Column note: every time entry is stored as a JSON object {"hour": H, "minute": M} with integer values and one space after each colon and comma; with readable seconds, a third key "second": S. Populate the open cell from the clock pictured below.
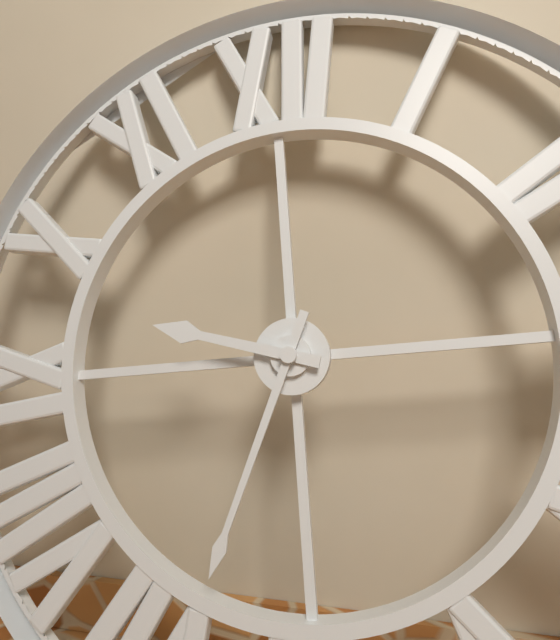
{"hour": 9, "minute": 34}
